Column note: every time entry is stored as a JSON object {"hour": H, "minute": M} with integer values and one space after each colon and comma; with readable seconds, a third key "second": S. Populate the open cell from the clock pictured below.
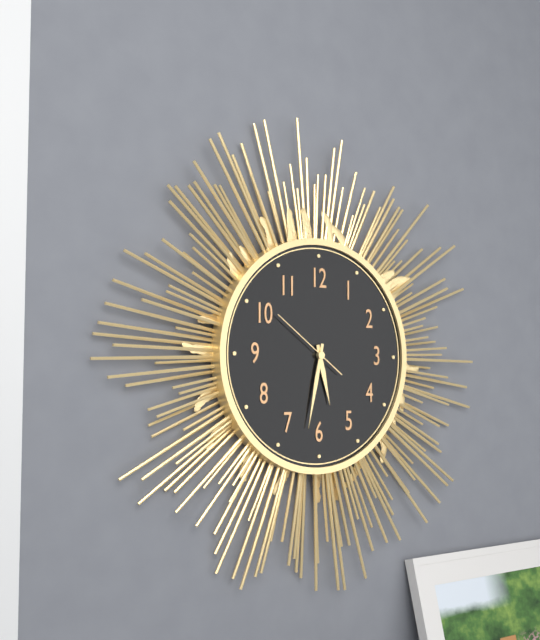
{"hour": 5, "minute": 32, "second": 51}
